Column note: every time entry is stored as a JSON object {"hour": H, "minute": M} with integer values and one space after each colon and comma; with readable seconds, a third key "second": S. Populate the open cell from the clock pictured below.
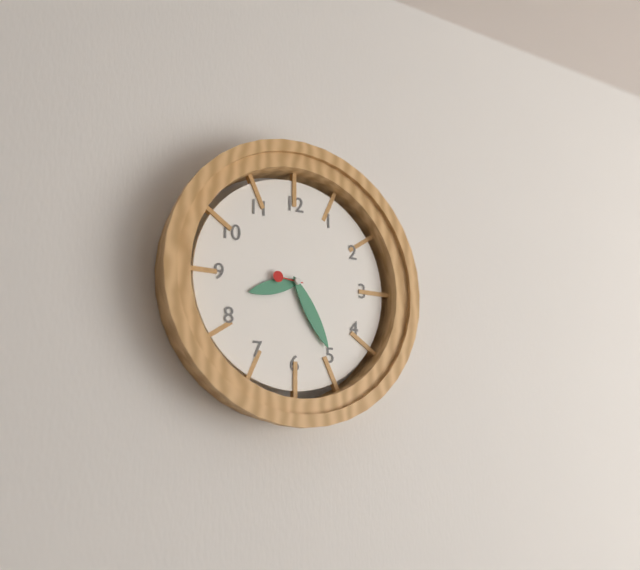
{"hour": 8, "minute": 25}
